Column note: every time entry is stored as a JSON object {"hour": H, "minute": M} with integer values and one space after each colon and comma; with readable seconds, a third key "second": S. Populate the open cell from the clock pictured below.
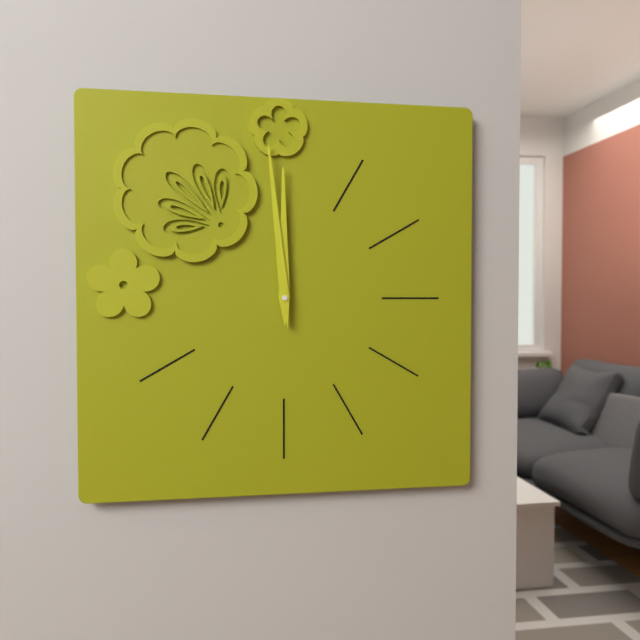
{"hour": 11, "minute": 59}
